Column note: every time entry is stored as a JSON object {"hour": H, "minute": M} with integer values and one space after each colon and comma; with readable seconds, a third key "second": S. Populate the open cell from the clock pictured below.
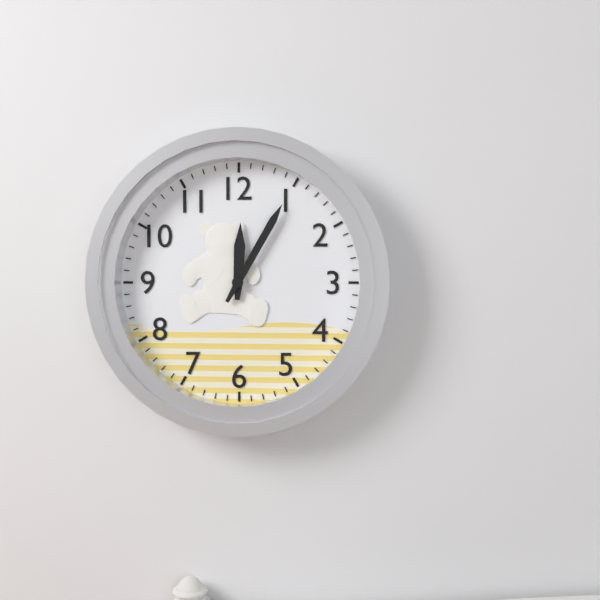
{"hour": 12, "minute": 5}
